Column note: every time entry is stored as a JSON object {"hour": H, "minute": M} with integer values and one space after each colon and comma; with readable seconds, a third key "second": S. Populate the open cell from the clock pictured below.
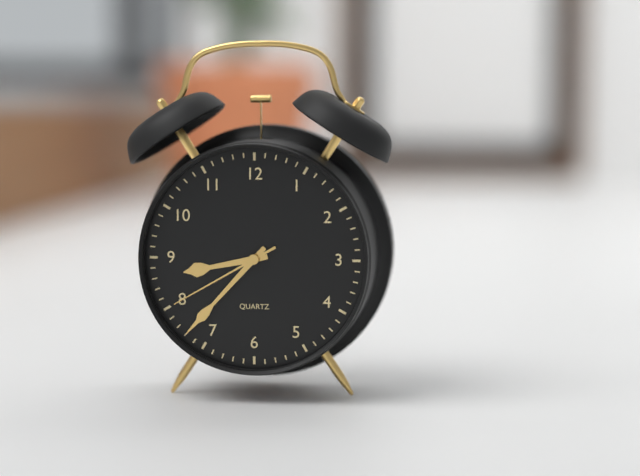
{"hour": 8, "minute": 37, "second": 40}
